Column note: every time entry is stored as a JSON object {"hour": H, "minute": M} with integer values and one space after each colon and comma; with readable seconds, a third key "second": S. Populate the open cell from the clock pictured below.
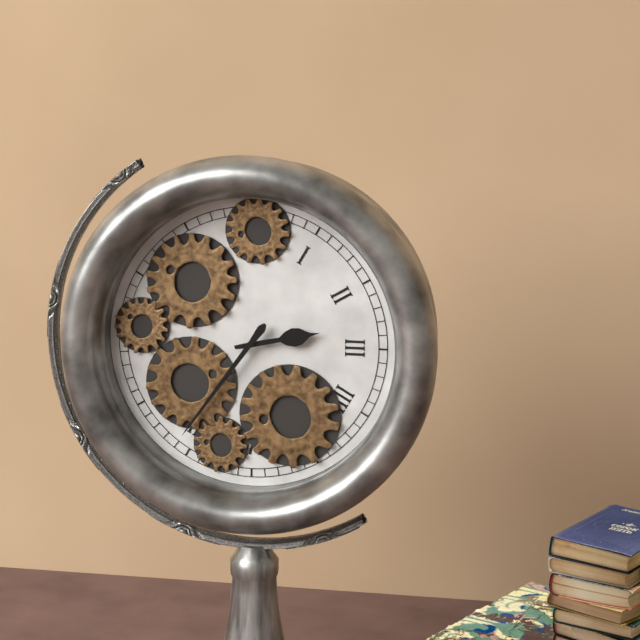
{"hour": 2, "minute": 36}
